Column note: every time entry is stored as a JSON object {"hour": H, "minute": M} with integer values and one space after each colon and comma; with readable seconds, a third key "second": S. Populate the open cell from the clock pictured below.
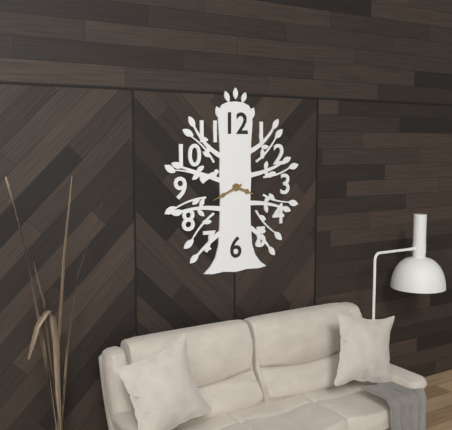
{"hour": 3, "minute": 41}
